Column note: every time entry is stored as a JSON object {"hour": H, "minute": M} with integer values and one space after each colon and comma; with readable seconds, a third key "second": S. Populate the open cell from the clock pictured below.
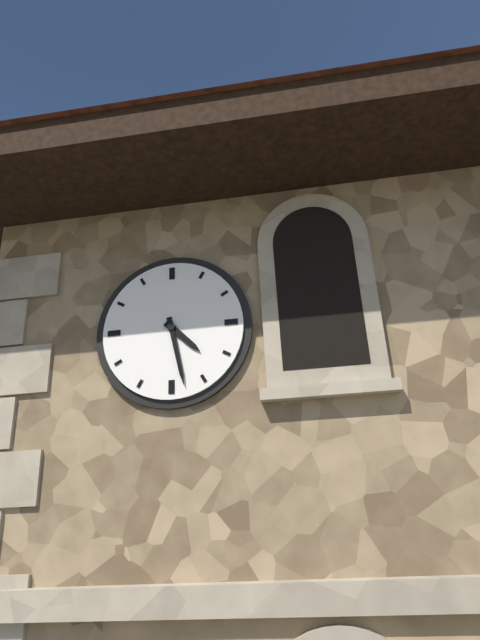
{"hour": 4, "minute": 28}
